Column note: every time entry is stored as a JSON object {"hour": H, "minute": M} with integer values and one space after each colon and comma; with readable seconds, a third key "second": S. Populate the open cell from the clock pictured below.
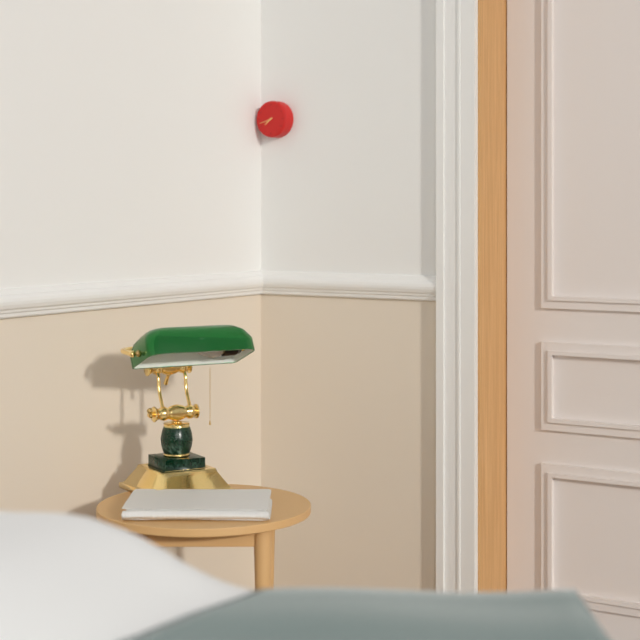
{"hour": 7, "minute": 42}
